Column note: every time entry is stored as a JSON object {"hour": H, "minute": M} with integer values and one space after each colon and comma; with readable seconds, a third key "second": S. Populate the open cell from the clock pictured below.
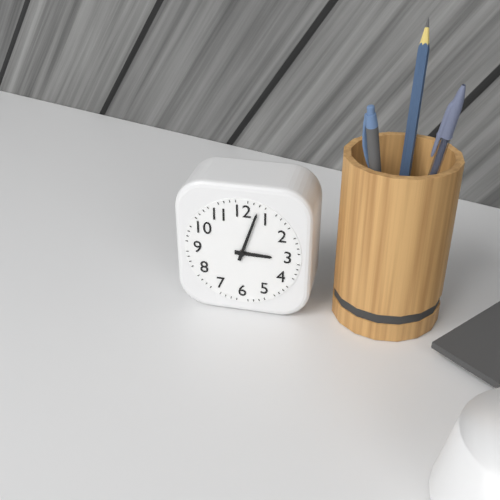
{"hour": 3, "minute": 3}
